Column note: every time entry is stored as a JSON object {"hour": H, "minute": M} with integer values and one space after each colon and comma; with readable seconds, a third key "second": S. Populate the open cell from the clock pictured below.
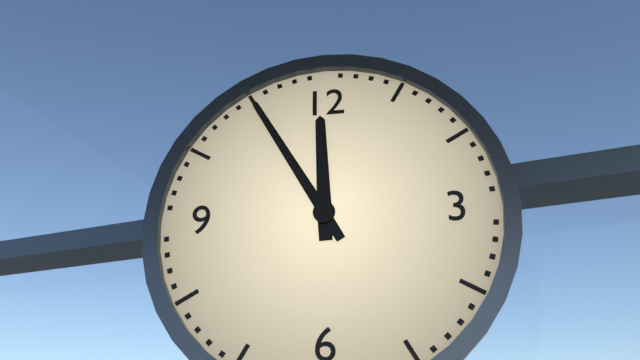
{"hour": 11, "minute": 55}
